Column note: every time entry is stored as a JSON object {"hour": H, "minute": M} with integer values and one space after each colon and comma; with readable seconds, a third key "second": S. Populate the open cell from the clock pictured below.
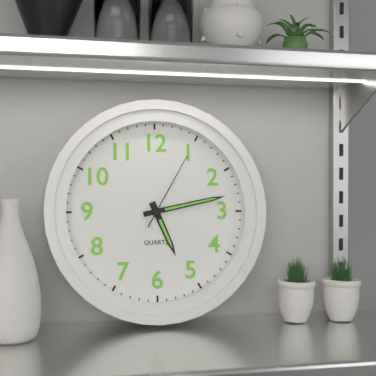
{"hour": 5, "minute": 13, "second": 5}
